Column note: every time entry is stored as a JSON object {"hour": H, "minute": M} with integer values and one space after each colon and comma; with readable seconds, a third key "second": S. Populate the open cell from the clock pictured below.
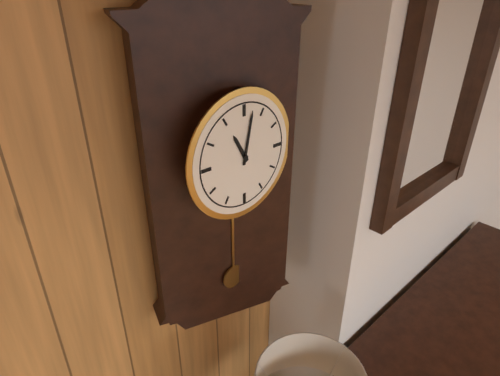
{"hour": 11, "minute": 2}
